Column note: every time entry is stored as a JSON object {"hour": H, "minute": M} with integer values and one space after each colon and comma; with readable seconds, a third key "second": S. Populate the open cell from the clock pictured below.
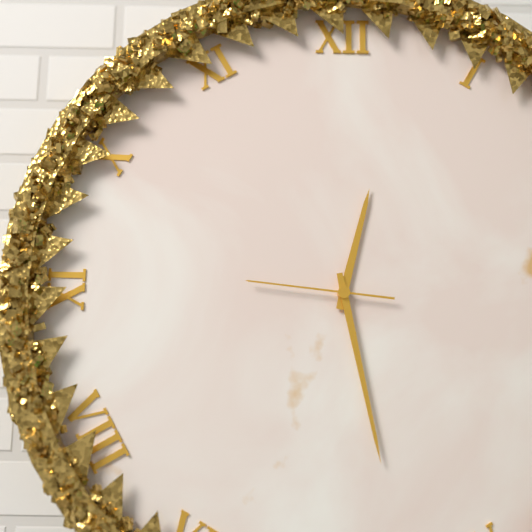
{"hour": 12, "minute": 28, "second": 46}
